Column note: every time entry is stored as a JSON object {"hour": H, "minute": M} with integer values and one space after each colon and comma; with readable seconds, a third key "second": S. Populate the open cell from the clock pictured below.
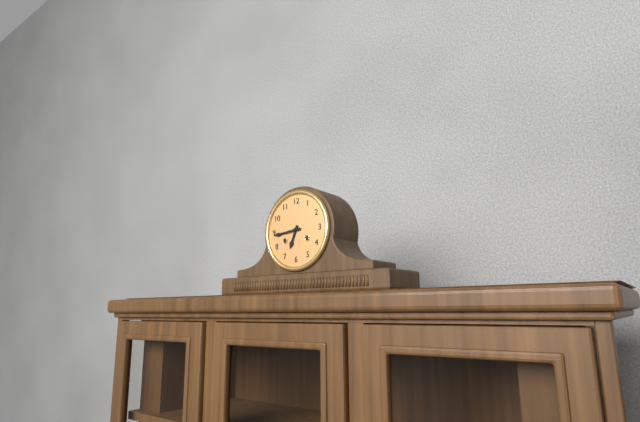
{"hour": 6, "minute": 44}
